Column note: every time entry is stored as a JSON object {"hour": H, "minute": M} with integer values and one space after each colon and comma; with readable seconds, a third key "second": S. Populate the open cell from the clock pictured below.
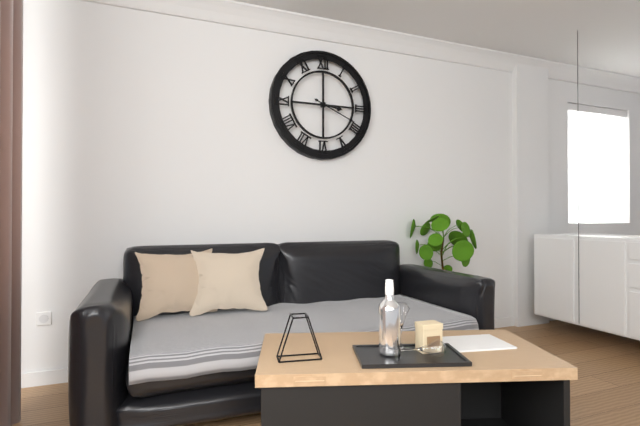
{"hour": 3, "minute": 19}
